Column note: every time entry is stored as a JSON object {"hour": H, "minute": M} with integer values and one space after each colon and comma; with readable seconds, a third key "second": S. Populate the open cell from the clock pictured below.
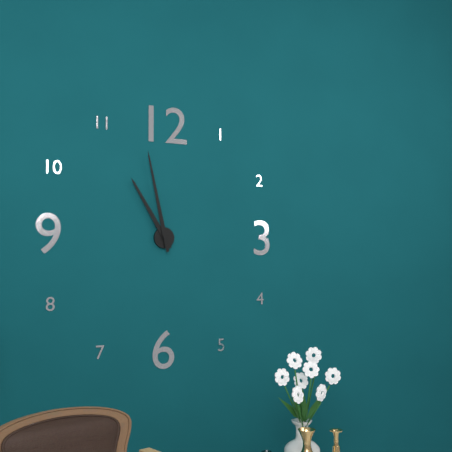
{"hour": 10, "minute": 58}
